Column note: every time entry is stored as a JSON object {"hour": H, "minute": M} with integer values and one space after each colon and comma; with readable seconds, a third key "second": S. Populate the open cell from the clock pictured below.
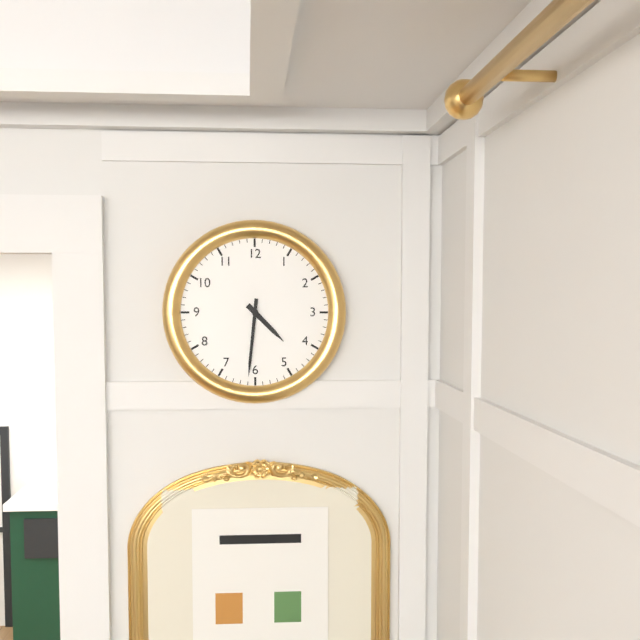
{"hour": 4, "minute": 31}
